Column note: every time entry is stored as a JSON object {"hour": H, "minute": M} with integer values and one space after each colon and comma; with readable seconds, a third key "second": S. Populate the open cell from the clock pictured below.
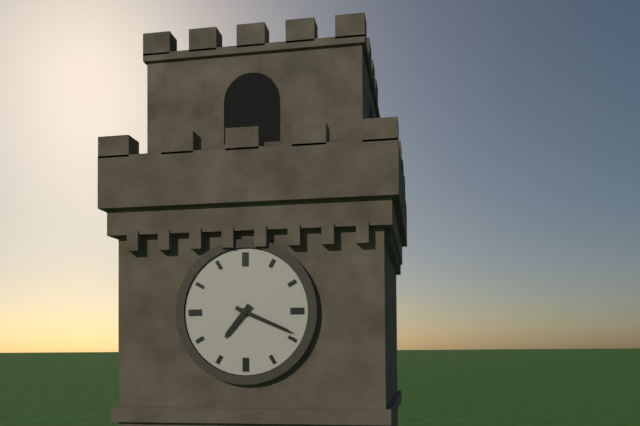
{"hour": 7, "minute": 19}
